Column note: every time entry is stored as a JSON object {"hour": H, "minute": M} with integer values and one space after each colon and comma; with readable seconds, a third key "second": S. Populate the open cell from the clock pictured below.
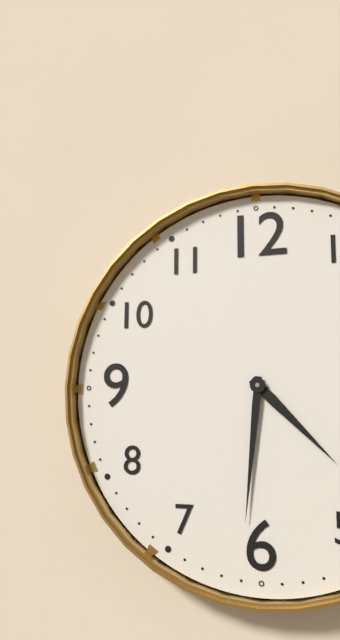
{"hour": 4, "minute": 31}
